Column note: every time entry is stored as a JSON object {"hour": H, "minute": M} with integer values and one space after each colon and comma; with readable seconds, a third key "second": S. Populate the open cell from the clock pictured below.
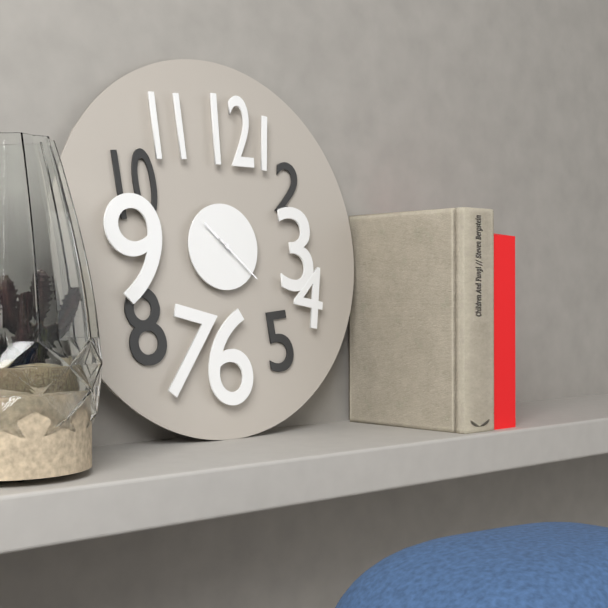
{"hour": 10, "minute": 22}
